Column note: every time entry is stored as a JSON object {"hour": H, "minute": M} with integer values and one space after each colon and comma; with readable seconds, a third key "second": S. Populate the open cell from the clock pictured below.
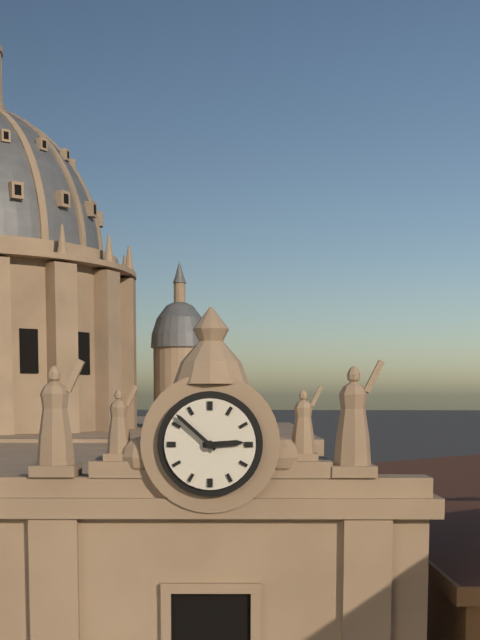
{"hour": 2, "minute": 52}
